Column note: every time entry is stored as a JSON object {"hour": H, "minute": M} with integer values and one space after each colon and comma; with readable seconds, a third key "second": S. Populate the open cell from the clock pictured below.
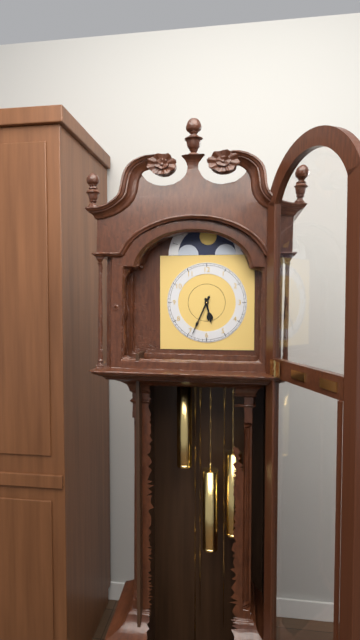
{"hour": 5, "minute": 34}
